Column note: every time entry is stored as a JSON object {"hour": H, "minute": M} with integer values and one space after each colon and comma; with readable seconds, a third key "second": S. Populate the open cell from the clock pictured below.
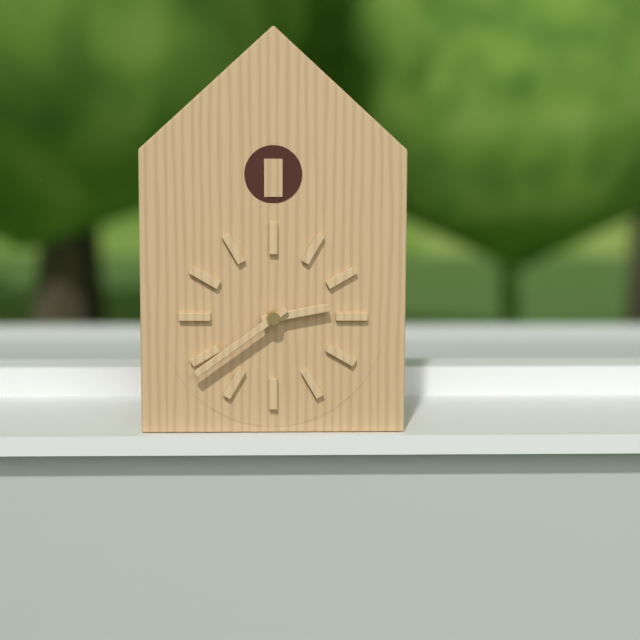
{"hour": 2, "minute": 39}
